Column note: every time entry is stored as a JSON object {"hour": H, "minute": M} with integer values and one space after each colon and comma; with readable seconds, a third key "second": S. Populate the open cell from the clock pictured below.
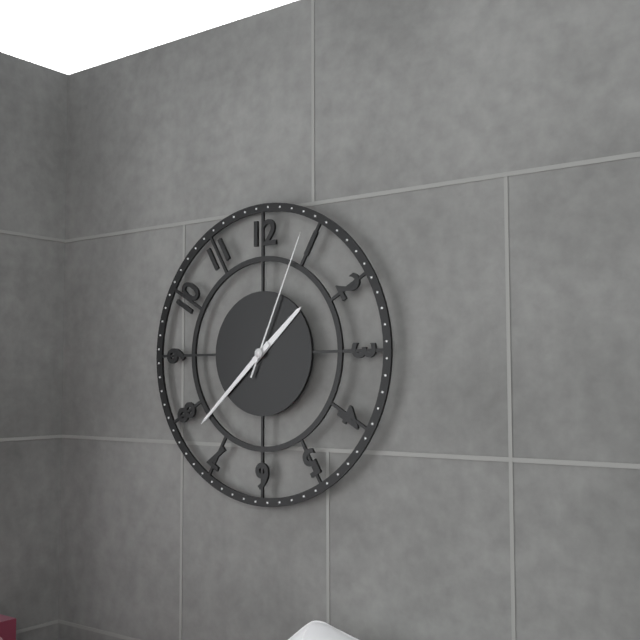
{"hour": 1, "minute": 38, "second": 4}
